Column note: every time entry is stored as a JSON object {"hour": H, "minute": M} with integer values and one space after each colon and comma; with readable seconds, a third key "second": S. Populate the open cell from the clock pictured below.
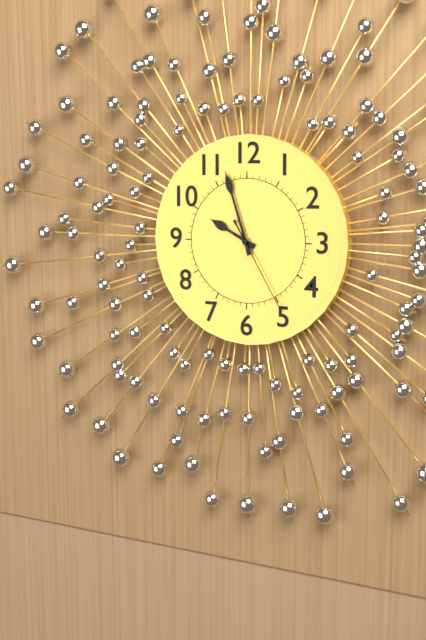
{"hour": 9, "minute": 57, "second": 25}
